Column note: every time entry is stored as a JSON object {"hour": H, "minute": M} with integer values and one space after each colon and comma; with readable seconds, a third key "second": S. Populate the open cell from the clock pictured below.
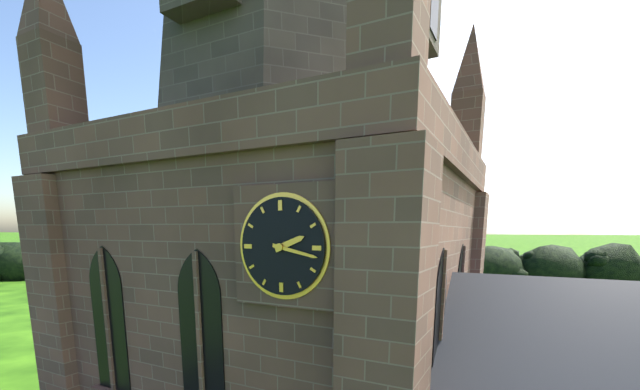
{"hour": 2, "minute": 17}
